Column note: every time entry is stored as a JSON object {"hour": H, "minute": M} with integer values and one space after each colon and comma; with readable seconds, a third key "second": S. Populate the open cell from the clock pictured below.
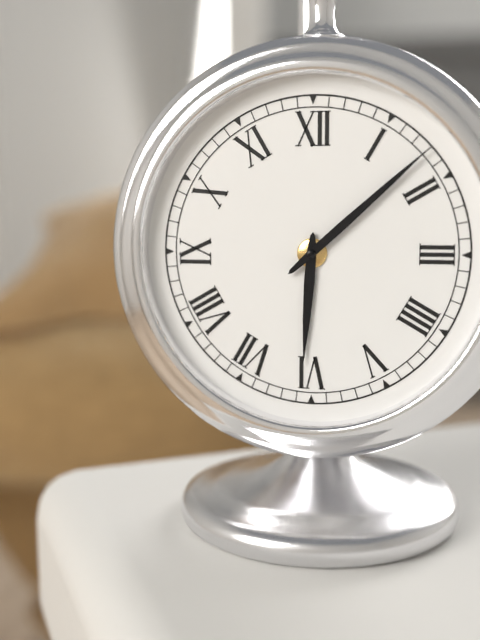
{"hour": 6, "minute": 8}
